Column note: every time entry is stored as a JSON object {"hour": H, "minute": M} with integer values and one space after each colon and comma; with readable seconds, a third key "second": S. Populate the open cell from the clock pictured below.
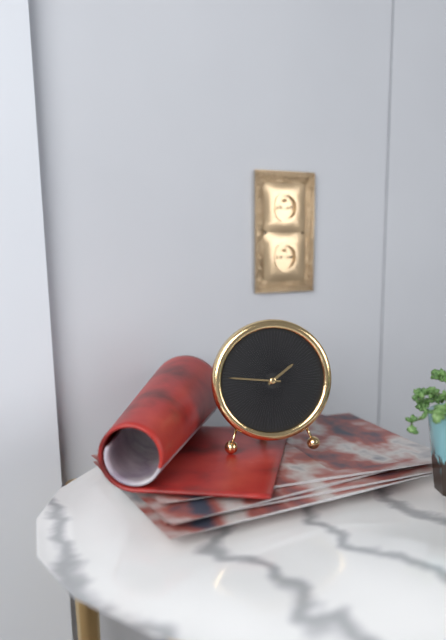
{"hour": 1, "minute": 46}
